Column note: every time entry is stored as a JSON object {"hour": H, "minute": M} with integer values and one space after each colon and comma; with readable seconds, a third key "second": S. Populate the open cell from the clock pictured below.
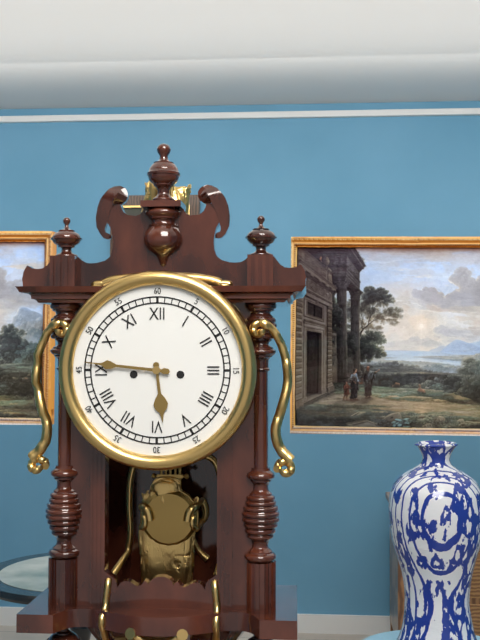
{"hour": 5, "minute": 46}
